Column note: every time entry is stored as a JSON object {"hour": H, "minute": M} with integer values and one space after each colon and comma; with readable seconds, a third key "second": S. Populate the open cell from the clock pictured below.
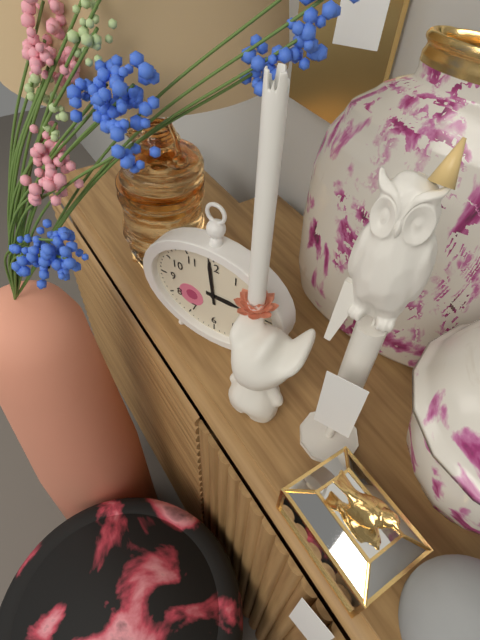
{"hour": 2, "minute": 59}
